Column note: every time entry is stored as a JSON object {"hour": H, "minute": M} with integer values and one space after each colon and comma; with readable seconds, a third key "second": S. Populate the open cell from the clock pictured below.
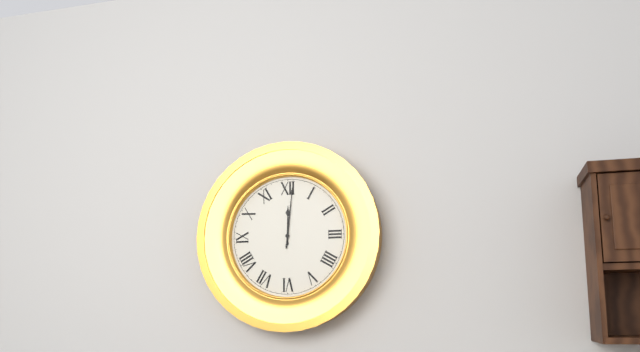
{"hour": 12, "minute": 1}
